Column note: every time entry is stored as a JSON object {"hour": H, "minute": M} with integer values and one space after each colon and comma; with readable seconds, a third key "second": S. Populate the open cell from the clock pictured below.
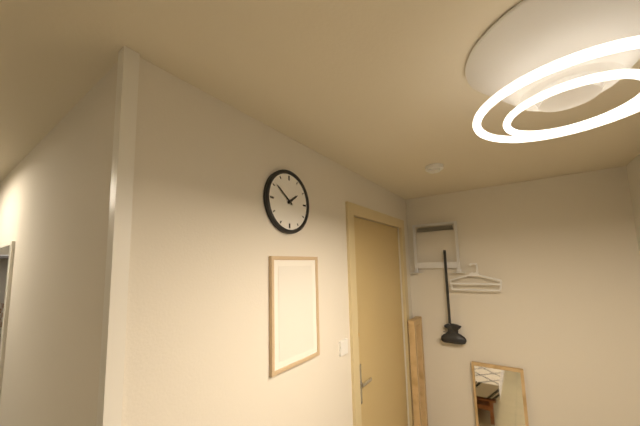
{"hour": 1, "minute": 51}
